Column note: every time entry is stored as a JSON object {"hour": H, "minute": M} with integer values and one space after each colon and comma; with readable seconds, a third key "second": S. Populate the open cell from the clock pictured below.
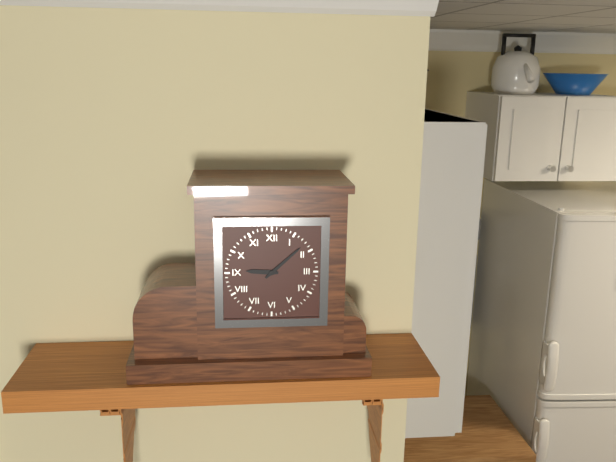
{"hour": 9, "minute": 8}
